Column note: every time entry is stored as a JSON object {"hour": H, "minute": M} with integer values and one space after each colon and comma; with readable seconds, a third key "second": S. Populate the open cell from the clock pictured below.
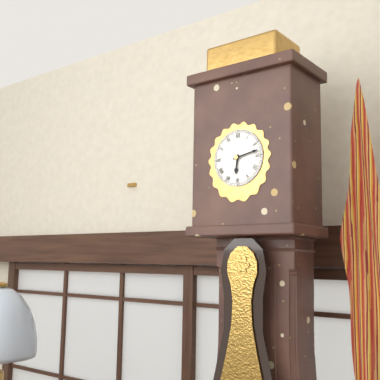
{"hour": 6, "minute": 13}
